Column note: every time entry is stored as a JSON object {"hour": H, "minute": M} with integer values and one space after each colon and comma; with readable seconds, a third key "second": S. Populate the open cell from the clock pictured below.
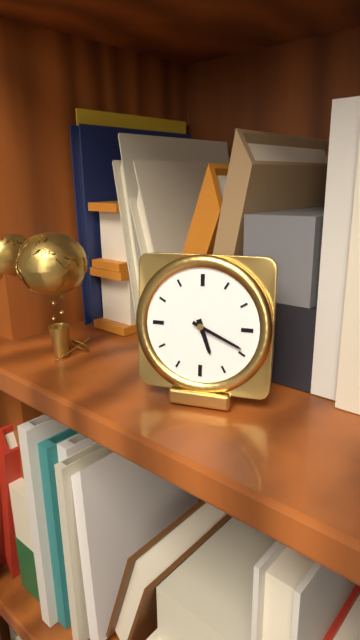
{"hour": 5, "minute": 19}
